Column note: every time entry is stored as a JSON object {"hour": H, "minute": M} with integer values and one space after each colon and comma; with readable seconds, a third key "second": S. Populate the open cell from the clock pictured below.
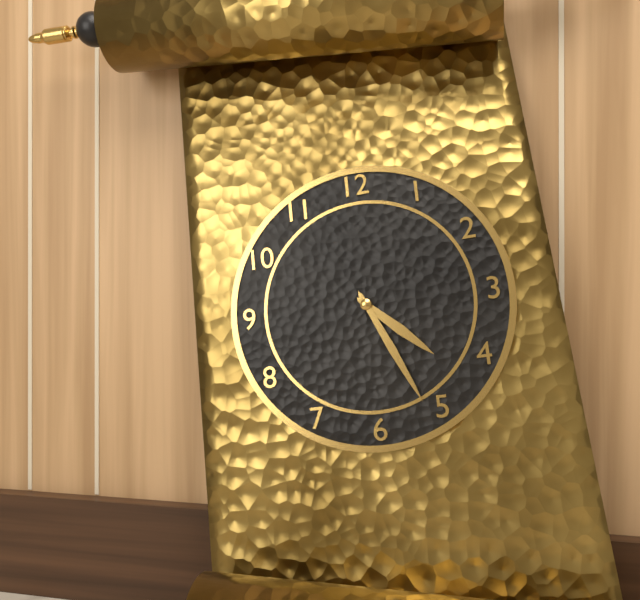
{"hour": 4, "minute": 26}
